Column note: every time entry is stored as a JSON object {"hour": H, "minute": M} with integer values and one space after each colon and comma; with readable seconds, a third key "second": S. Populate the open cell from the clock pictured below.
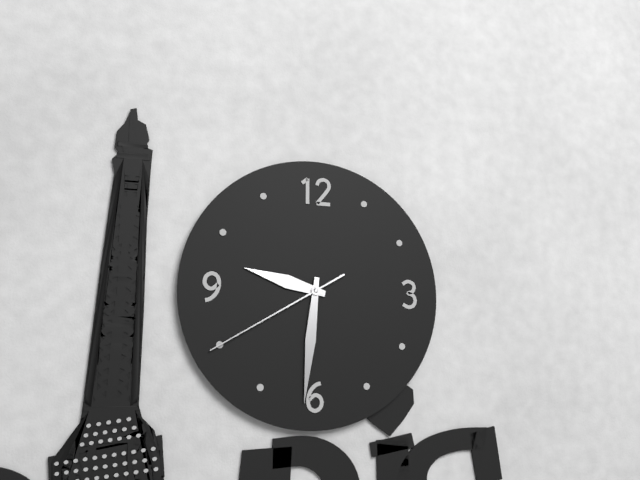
{"hour": 9, "minute": 31, "second": 40}
